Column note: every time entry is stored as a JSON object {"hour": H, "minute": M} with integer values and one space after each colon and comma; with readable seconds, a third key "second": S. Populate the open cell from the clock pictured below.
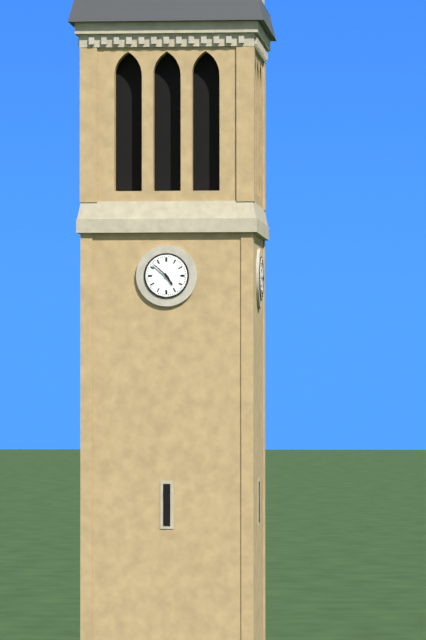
{"hour": 4, "minute": 52}
